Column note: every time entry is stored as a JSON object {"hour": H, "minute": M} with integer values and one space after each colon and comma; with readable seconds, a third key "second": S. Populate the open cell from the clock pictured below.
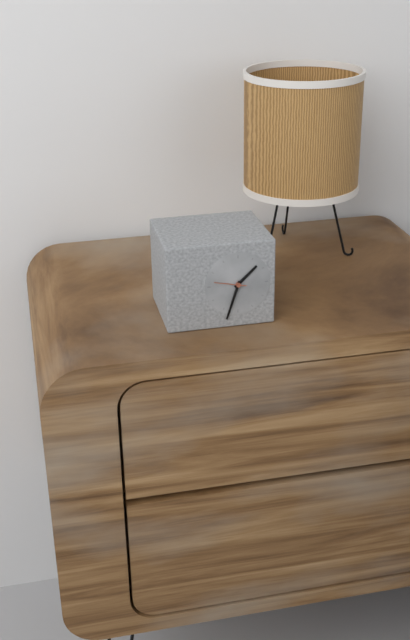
{"hour": 1, "minute": 33}
